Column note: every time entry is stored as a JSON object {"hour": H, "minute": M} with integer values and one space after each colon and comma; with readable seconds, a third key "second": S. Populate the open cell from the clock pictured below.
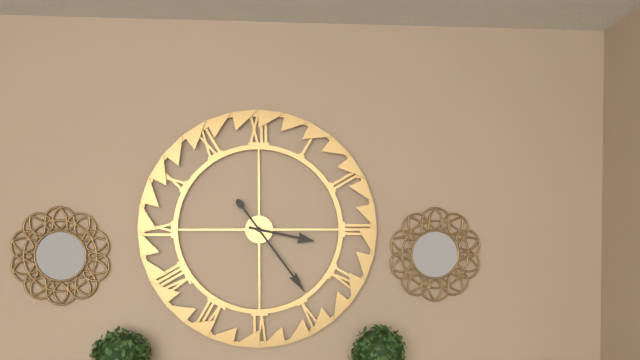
{"hour": 3, "minute": 24}
